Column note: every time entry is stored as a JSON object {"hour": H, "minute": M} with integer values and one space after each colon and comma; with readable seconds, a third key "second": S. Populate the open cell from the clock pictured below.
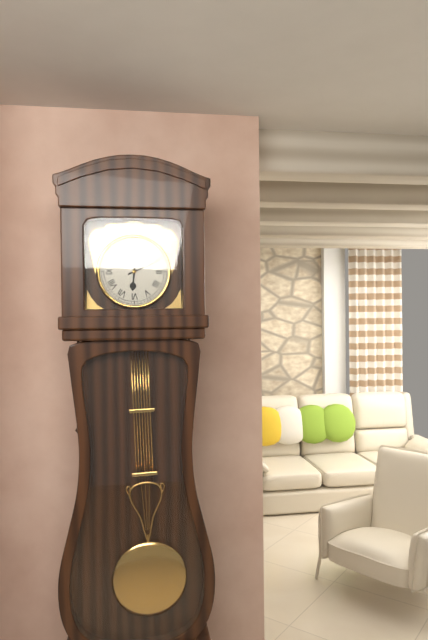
{"hour": 6, "minute": 11}
